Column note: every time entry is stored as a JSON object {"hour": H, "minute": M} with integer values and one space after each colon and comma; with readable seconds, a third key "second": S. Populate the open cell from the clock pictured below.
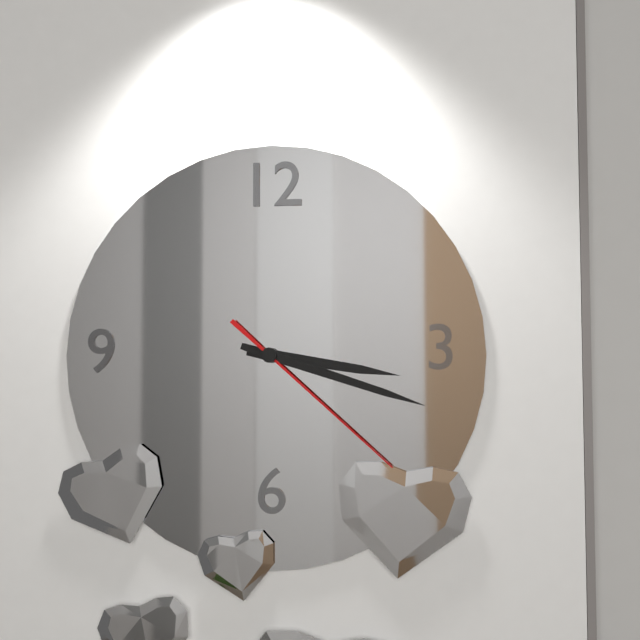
{"hour": 3, "minute": 18, "second": 22}
